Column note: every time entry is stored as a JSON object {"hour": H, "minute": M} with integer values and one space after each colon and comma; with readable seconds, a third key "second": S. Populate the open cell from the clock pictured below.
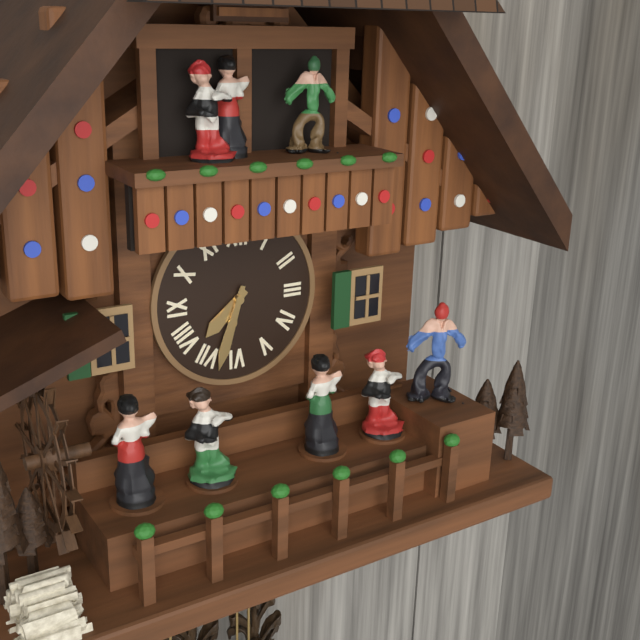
{"hour": 7, "minute": 33}
